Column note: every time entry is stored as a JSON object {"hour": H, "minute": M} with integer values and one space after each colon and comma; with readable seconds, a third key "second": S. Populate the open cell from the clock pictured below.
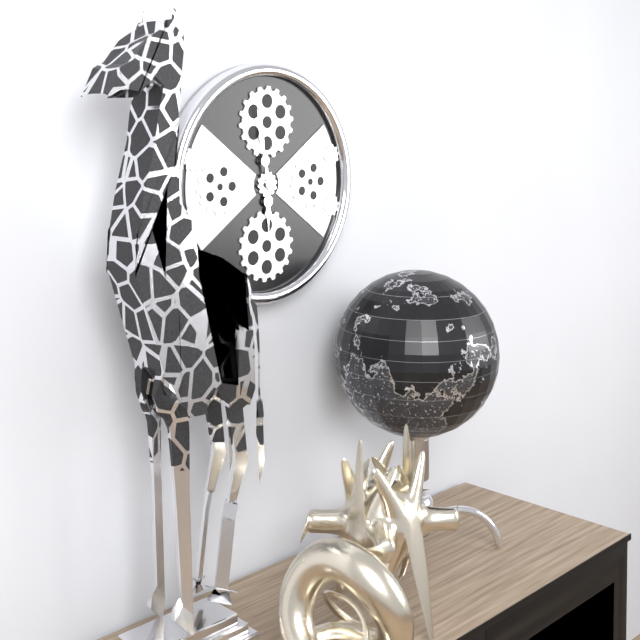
{"hour": 5, "minute": 58}
